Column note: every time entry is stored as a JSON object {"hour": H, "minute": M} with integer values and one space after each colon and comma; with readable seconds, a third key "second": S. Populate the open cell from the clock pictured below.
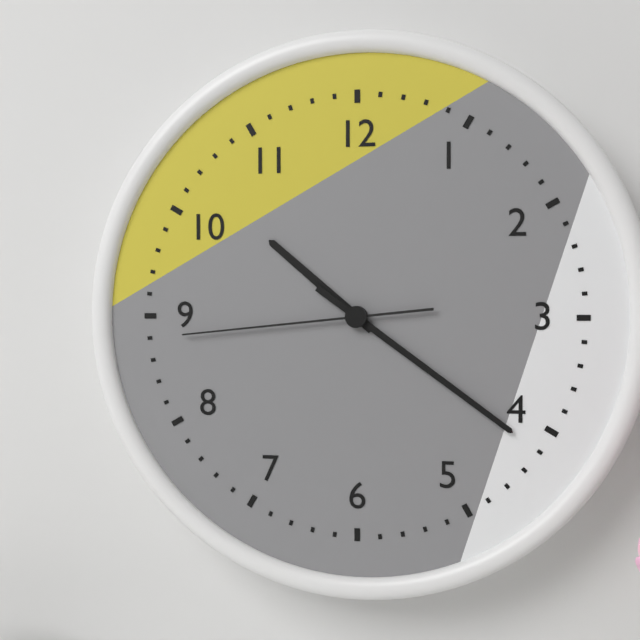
{"hour": 10, "minute": 21, "second": 44}
